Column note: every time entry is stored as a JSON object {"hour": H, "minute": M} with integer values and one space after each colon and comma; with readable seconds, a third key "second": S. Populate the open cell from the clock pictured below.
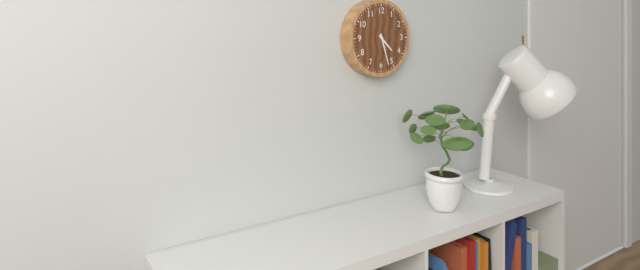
{"hour": 4, "minute": 27}
